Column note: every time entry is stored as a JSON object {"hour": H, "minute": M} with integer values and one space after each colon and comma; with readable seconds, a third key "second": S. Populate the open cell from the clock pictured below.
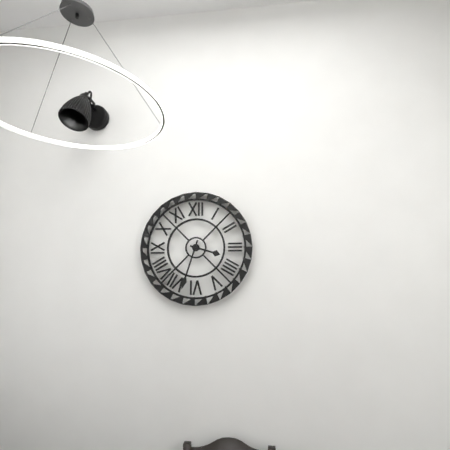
{"hour": 3, "minute": 33}
